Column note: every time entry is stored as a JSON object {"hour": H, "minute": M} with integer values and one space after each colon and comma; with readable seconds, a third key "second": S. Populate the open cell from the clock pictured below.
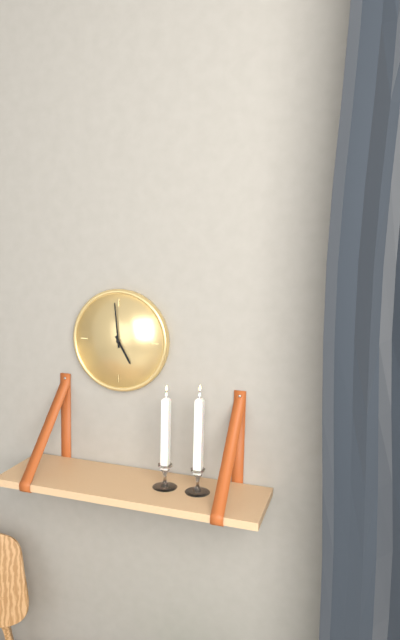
{"hour": 4, "minute": 59}
